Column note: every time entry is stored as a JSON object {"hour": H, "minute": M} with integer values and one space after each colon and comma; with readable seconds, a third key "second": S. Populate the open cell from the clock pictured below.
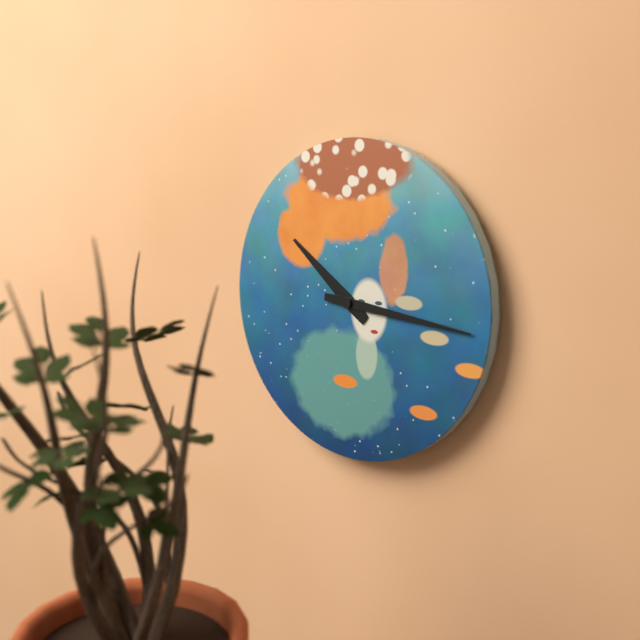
{"hour": 10, "minute": 16}
